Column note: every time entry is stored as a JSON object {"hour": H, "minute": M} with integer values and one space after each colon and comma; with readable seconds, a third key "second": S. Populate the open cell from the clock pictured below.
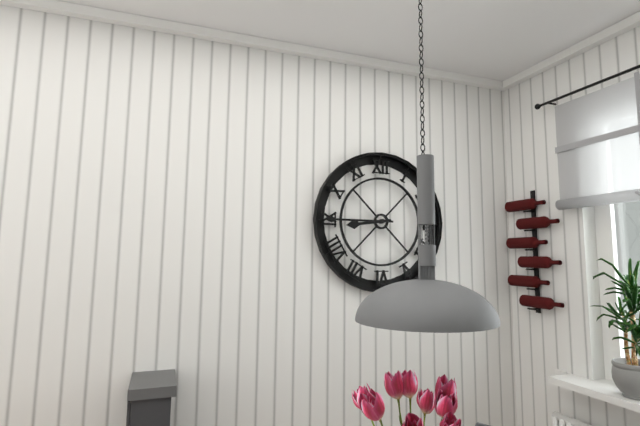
{"hour": 8, "minute": 45}
